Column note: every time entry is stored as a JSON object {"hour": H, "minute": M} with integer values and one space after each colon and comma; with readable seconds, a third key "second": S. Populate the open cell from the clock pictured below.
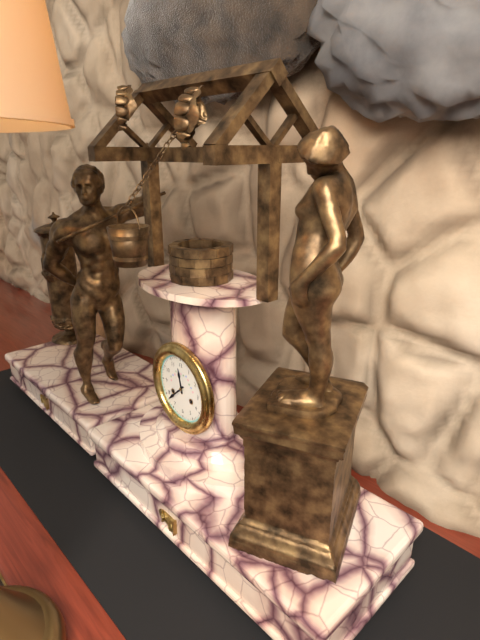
{"hour": 11, "minute": 38}
